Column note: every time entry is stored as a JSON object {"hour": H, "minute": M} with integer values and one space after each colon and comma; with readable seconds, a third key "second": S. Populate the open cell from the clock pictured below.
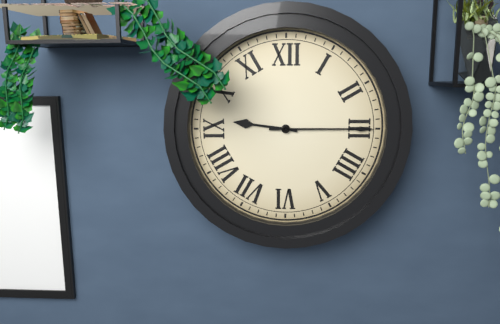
{"hour": 9, "minute": 15}
